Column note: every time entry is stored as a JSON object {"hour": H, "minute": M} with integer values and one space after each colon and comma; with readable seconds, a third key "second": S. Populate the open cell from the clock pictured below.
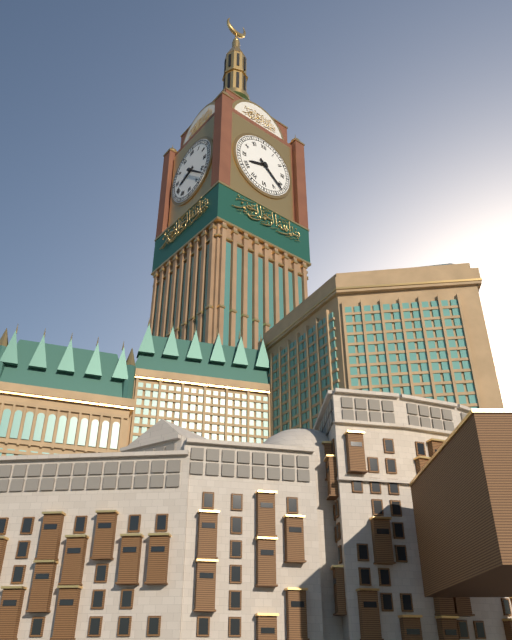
{"hour": 8, "minute": 22}
